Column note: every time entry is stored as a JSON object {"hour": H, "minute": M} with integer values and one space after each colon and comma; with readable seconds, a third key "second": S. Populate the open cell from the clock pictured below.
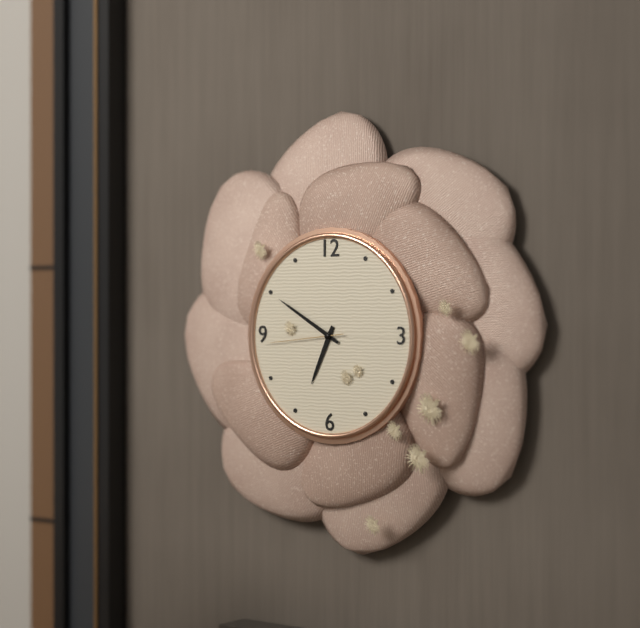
{"hour": 6, "minute": 50, "second": 44}
